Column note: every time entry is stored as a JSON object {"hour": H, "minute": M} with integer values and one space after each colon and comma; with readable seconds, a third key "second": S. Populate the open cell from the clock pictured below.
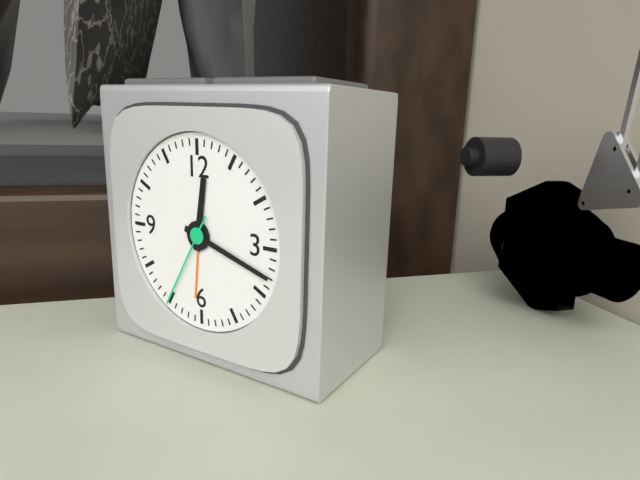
{"hour": 12, "minute": 18, "second": 35}
